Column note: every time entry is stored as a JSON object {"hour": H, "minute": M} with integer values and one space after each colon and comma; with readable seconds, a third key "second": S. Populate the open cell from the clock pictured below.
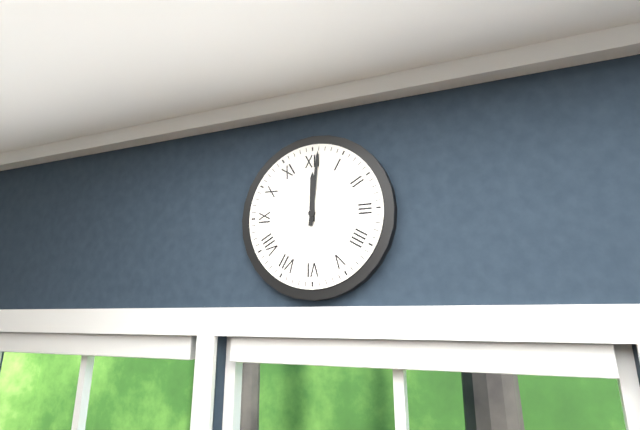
{"hour": 12, "minute": 1}
